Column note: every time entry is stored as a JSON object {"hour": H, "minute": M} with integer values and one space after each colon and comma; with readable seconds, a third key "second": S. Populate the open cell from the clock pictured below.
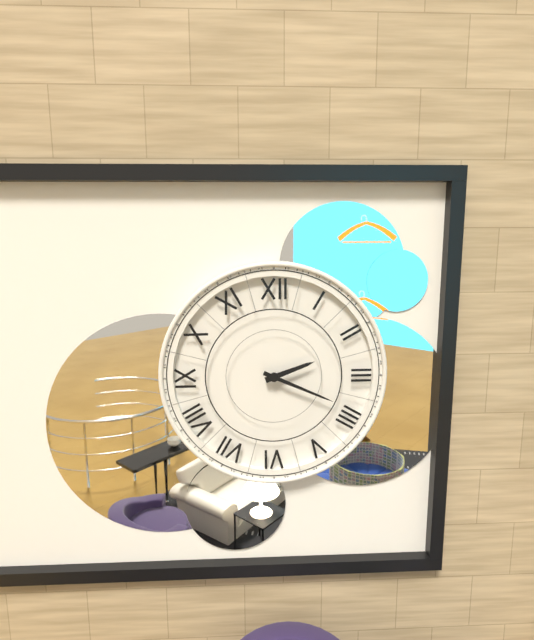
{"hour": 2, "minute": 19}
